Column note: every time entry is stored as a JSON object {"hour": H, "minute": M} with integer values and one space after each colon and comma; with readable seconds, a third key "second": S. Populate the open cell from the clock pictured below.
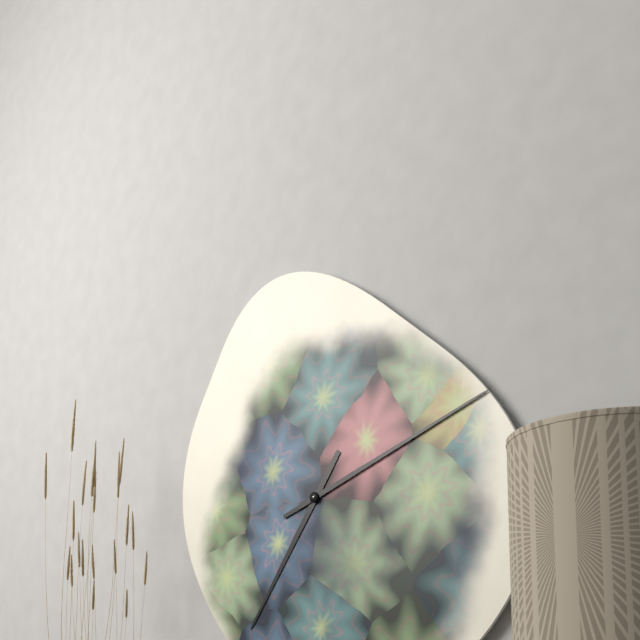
{"hour": 7, "minute": 12}
